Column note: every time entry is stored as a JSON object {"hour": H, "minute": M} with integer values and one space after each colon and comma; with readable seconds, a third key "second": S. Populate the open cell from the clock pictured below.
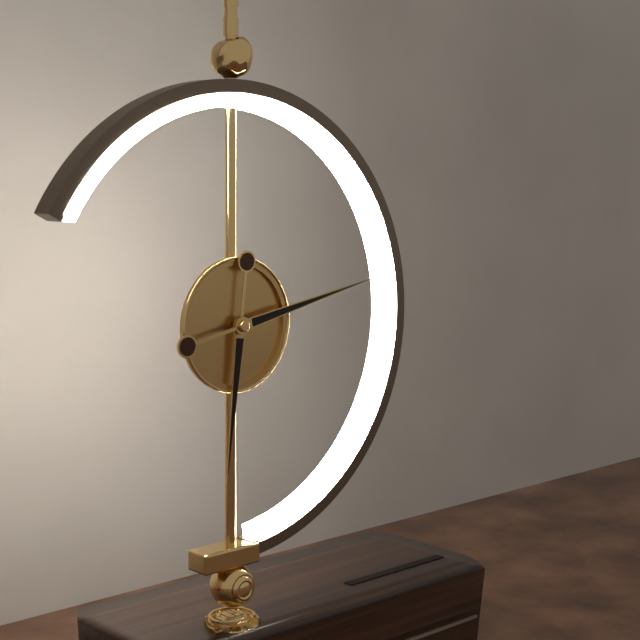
{"hour": 6, "minute": 13}
